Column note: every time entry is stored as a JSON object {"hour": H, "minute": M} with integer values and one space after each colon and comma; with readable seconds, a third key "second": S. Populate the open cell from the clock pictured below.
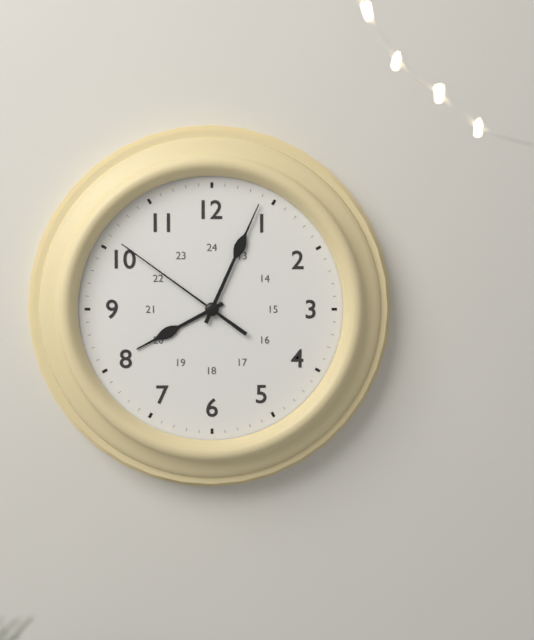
{"hour": 8, "minute": 4, "second": 51}
